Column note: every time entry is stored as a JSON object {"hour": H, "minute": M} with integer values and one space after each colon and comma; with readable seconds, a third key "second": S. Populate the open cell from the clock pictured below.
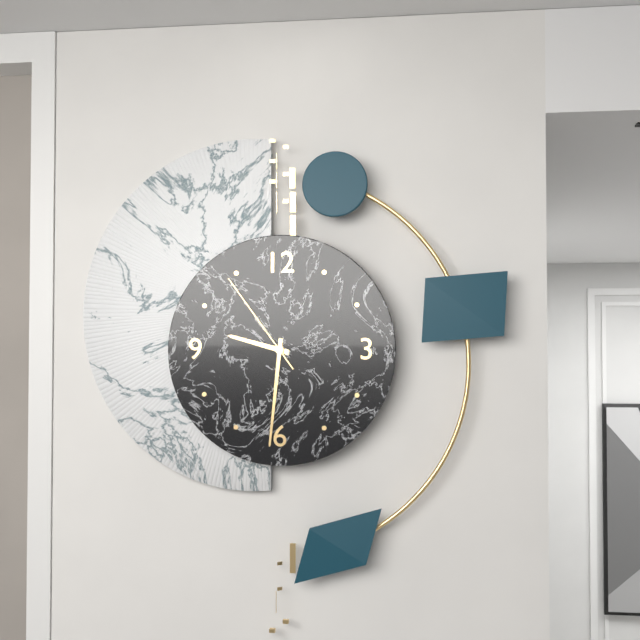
{"hour": 9, "minute": 31, "second": 54}
